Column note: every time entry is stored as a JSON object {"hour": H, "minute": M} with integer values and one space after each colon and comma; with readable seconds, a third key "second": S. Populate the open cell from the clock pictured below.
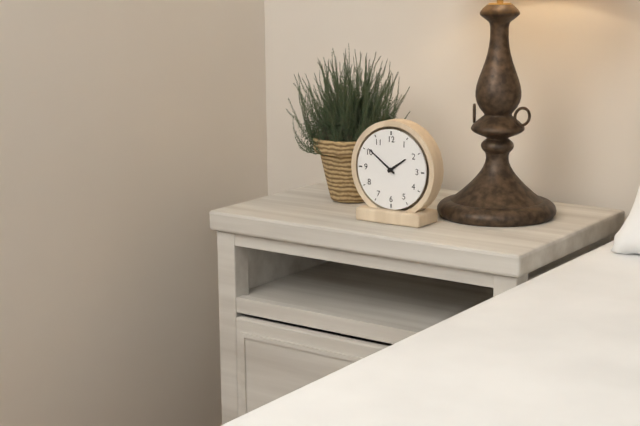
{"hour": 1, "minute": 51}
